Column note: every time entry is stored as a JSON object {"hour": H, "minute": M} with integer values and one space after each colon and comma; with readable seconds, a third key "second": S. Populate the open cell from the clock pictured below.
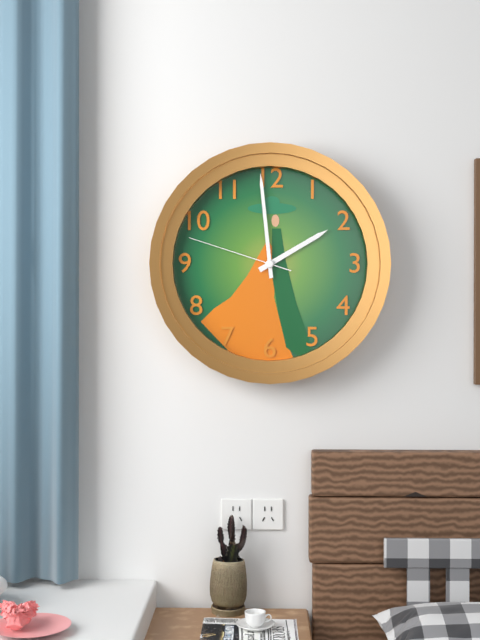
{"hour": 1, "minute": 59, "second": 48}
